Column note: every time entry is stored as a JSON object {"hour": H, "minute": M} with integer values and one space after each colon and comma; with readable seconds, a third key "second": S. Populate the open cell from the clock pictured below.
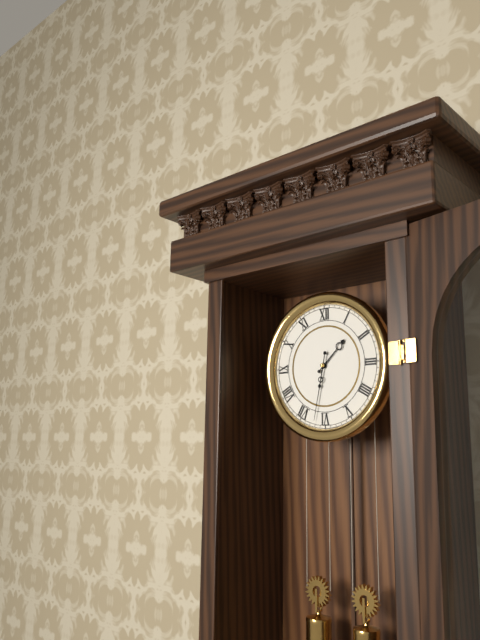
{"hour": 1, "minute": 32}
